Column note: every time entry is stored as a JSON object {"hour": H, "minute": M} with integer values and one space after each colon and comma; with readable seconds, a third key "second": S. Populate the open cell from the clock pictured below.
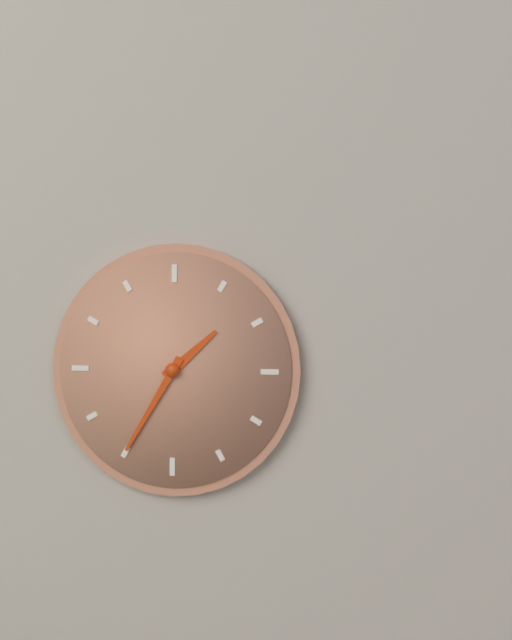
{"hour": 1, "minute": 35}
